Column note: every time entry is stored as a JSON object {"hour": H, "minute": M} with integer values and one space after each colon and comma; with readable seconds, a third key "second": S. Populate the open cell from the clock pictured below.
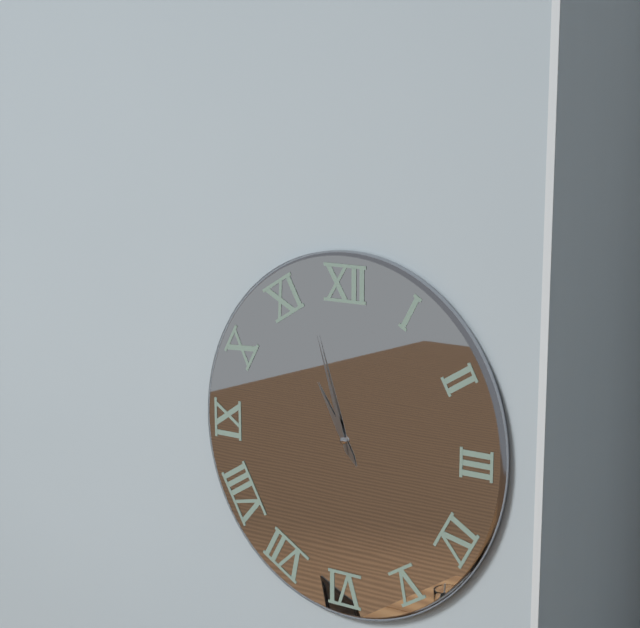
{"hour": 10, "minute": 57}
